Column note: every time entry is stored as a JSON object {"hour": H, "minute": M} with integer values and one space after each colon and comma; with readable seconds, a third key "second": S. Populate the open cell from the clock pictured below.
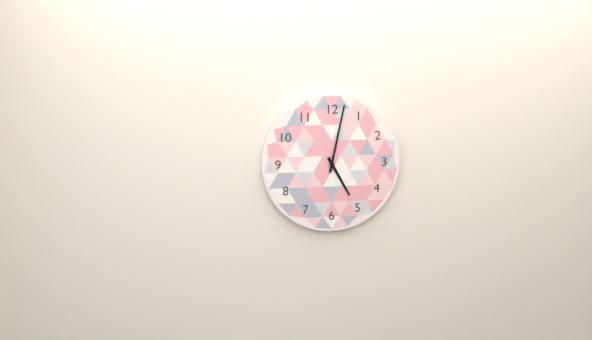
{"hour": 5, "minute": 2}
